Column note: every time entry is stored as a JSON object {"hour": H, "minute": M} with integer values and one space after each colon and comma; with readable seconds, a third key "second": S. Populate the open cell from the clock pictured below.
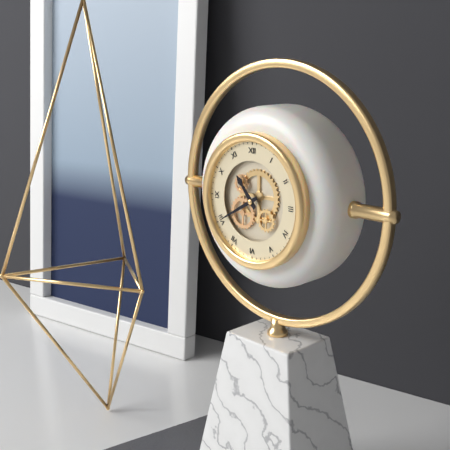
{"hour": 10, "minute": 40}
